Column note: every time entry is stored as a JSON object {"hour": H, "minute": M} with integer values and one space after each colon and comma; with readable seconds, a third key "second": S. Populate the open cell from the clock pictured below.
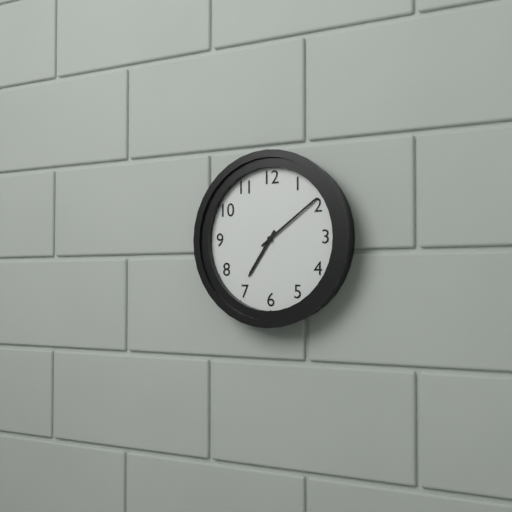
{"hour": 7, "minute": 9}
